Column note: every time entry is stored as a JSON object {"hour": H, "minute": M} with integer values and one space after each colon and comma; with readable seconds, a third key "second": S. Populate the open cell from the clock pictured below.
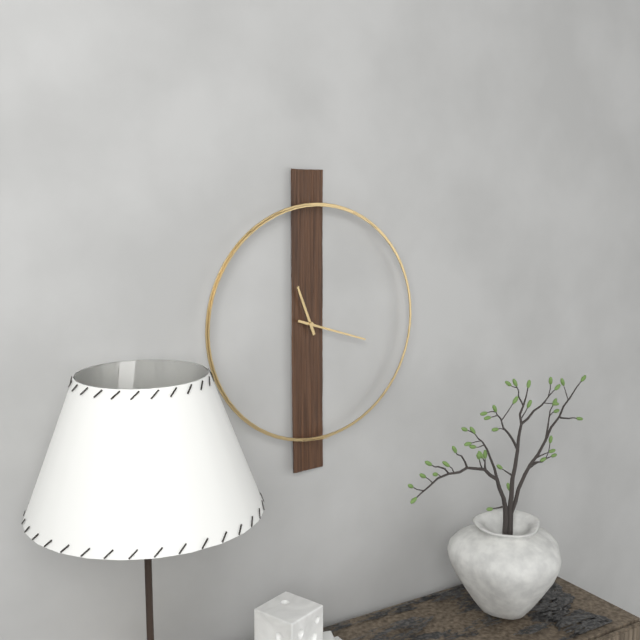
{"hour": 11, "minute": 18}
